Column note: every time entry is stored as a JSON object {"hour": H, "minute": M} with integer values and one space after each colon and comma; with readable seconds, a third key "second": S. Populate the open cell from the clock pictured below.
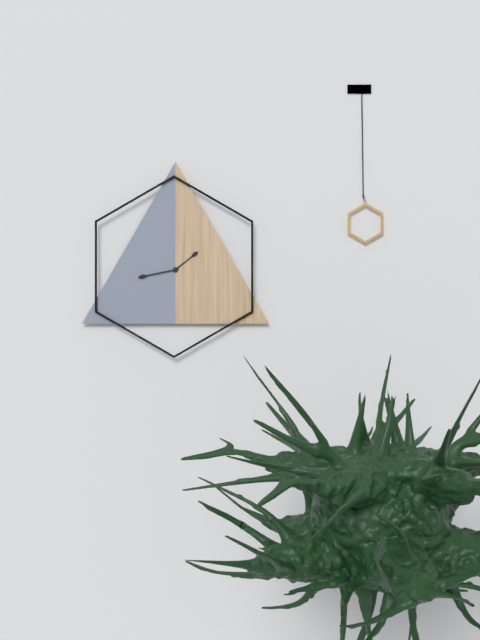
{"hour": 1, "minute": 43}
